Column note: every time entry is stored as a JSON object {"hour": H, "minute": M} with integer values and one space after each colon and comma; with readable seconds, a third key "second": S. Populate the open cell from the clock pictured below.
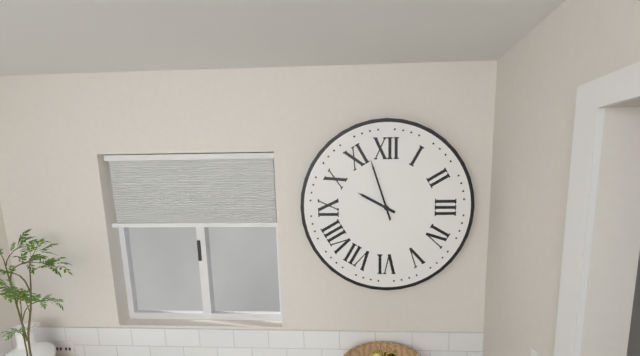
{"hour": 9, "minute": 57}
